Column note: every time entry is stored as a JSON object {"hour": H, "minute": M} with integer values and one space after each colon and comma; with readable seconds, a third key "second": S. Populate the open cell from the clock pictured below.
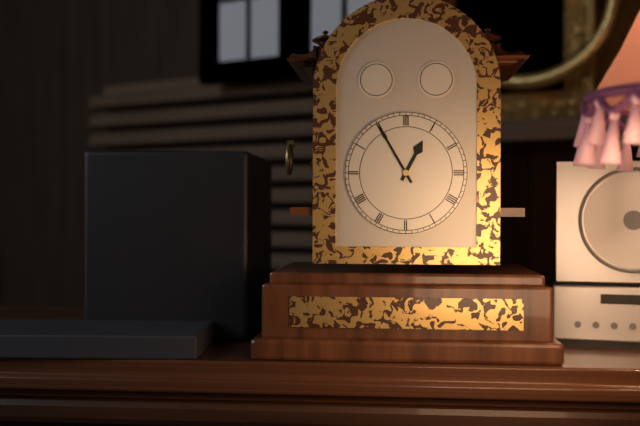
{"hour": 12, "minute": 55}
